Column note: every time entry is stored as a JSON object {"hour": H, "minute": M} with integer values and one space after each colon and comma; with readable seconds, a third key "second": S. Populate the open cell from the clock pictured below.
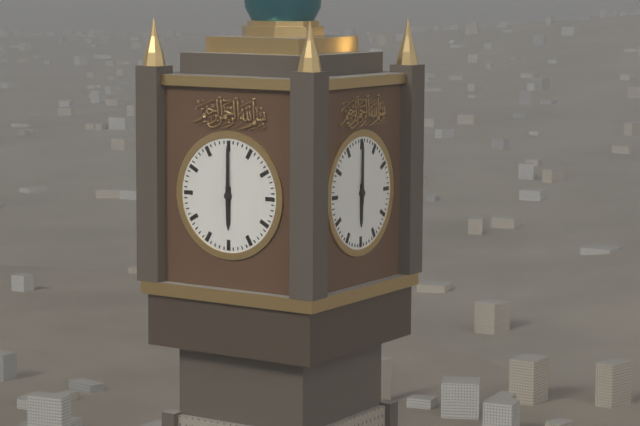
{"hour": 6, "minute": 0}
